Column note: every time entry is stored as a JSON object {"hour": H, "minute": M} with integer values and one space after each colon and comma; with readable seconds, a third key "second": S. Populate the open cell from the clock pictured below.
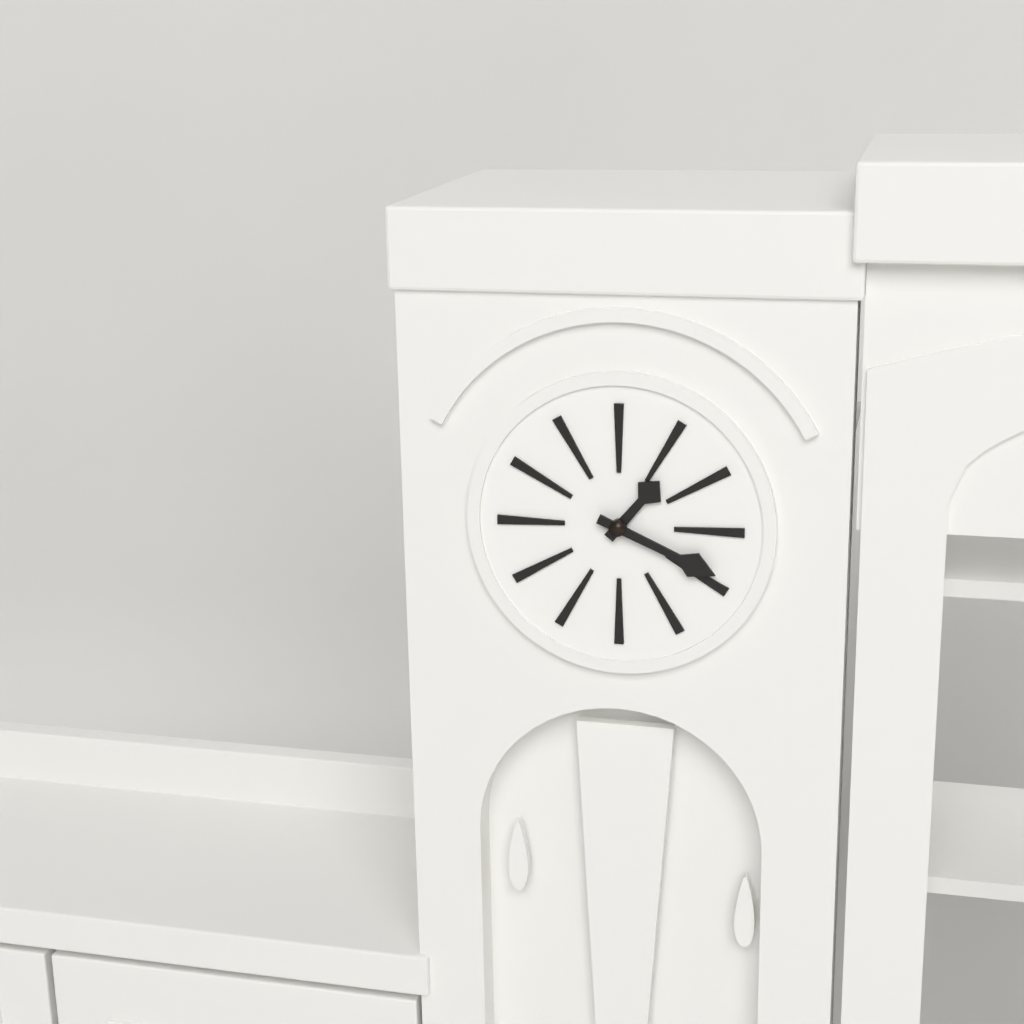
{"hour": 1, "minute": 19}
